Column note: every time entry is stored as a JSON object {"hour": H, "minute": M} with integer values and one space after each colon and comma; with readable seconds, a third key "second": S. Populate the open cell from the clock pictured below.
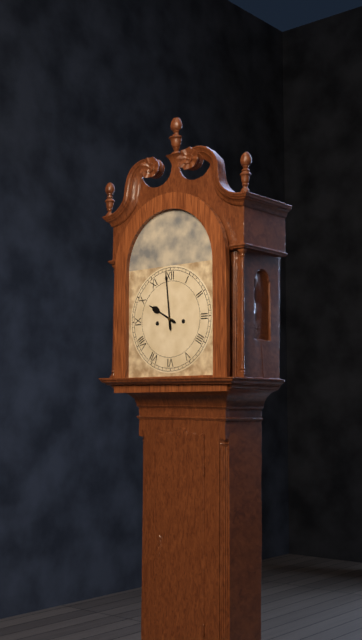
{"hour": 9, "minute": 59}
